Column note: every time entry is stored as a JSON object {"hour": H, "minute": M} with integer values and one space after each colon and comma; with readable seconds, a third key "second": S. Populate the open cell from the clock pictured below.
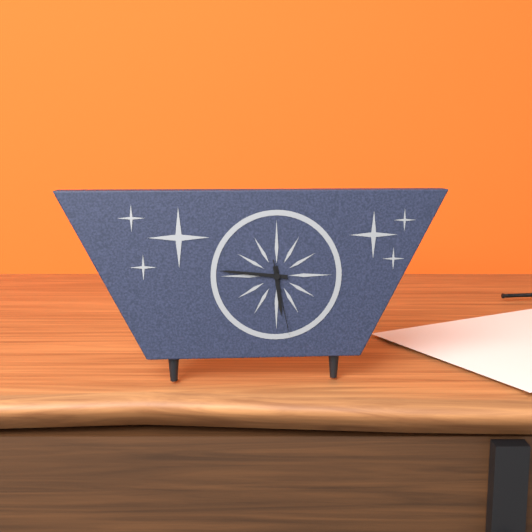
{"hour": 5, "minute": 46, "second": 28}
